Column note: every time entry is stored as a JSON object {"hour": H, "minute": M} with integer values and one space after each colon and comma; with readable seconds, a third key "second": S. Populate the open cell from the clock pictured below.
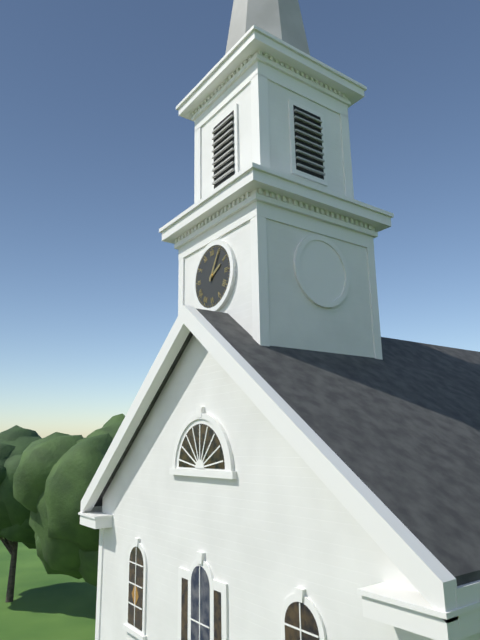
{"hour": 2, "minute": 5}
